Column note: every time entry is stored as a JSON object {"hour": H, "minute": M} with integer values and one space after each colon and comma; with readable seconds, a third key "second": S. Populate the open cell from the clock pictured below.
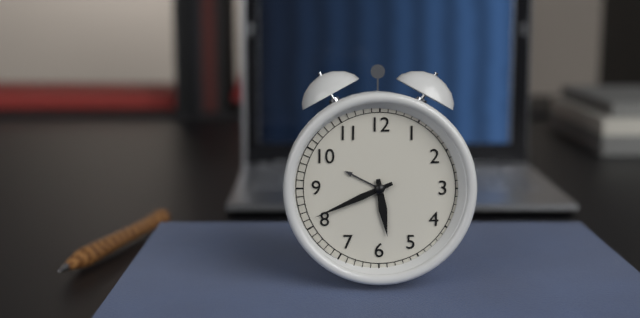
{"hour": 5, "minute": 41}
